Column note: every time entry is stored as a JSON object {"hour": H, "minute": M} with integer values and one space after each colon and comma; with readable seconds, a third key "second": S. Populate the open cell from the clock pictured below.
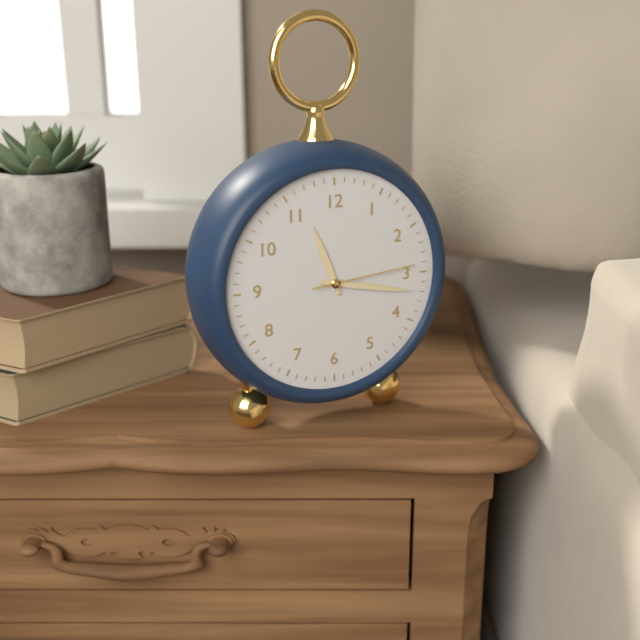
{"hour": 11, "minute": 17, "second": 14}
